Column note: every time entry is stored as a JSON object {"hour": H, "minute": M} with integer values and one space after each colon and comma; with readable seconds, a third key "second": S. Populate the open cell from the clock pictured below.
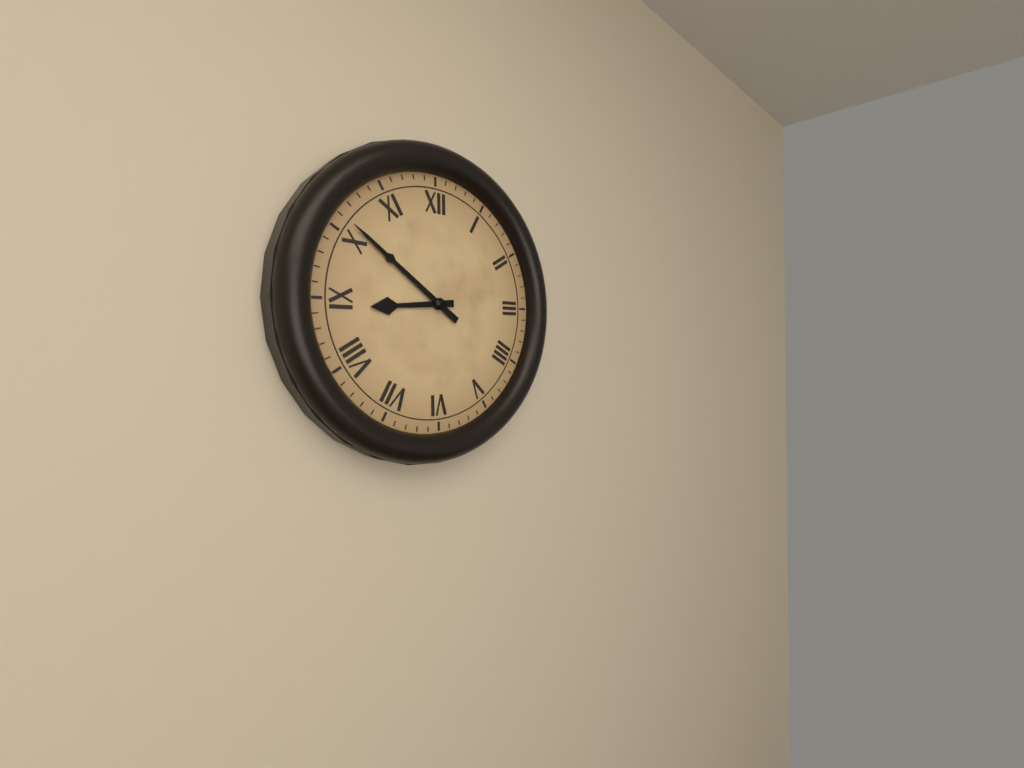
{"hour": 8, "minute": 51}
